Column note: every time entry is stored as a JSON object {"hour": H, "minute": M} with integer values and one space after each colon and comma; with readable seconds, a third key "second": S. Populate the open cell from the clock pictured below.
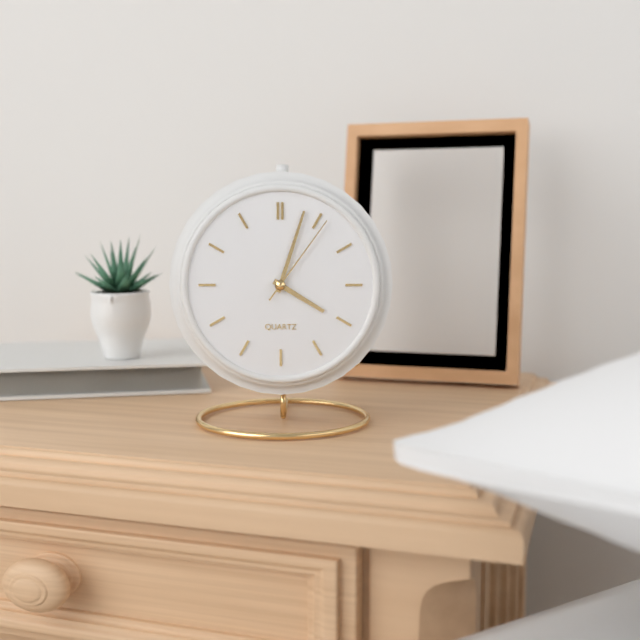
{"hour": 4, "minute": 3, "second": 6}
